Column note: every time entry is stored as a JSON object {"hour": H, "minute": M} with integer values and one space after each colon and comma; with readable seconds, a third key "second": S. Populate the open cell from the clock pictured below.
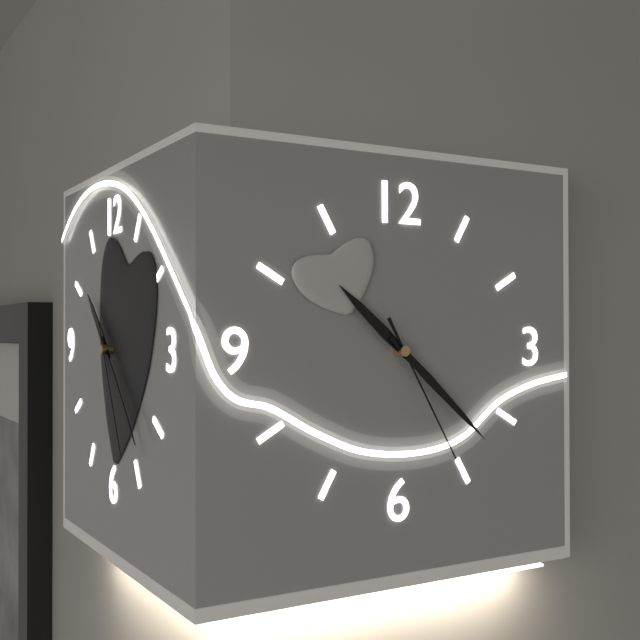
{"hour": 10, "minute": 22, "second": 25}
